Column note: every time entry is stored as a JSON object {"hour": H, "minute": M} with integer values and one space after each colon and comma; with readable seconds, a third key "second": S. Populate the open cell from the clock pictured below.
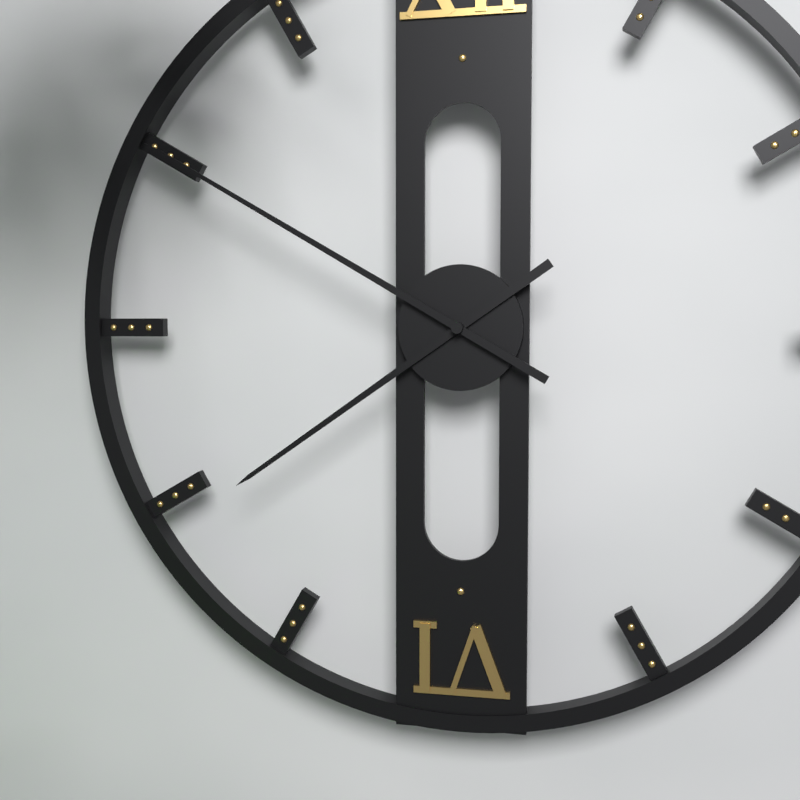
{"hour": 7, "minute": 50}
